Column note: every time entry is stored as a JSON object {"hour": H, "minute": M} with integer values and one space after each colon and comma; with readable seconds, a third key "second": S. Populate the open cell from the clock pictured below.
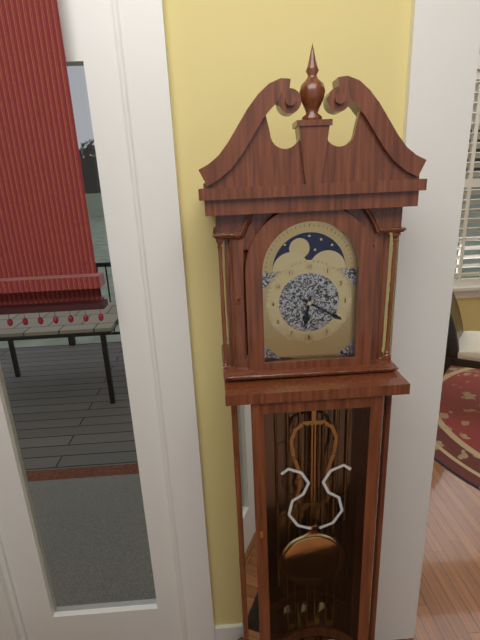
{"hour": 6, "minute": 20}
